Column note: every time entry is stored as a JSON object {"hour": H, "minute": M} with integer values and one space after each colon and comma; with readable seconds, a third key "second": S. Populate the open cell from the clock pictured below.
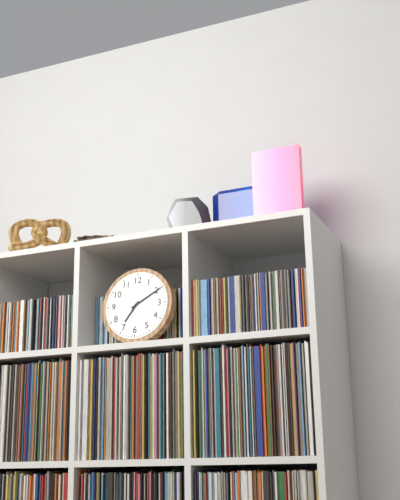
{"hour": 7, "minute": 10}
